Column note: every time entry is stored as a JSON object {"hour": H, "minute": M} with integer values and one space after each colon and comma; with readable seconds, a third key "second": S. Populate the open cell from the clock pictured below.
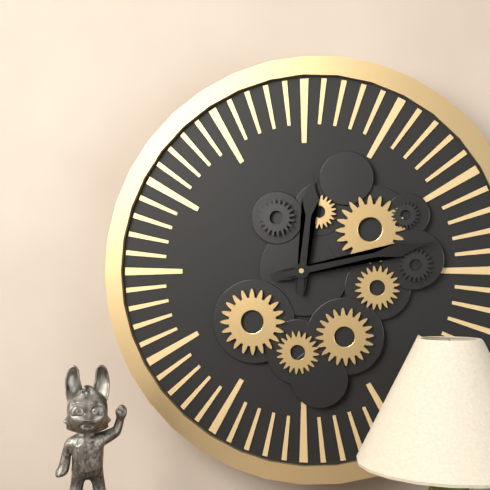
{"hour": 12, "minute": 13}
